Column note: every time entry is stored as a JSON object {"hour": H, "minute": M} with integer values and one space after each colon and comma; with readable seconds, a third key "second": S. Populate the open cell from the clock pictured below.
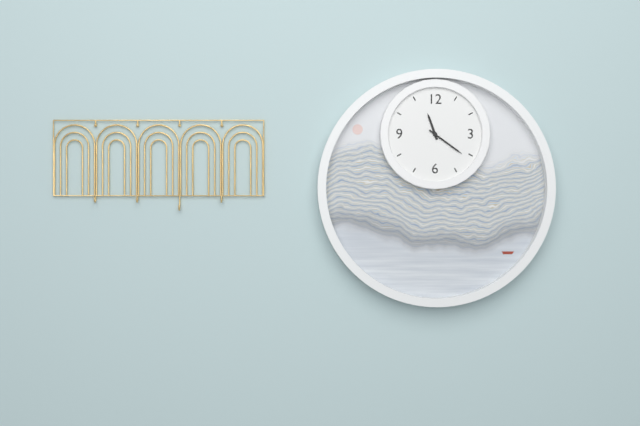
{"hour": 11, "minute": 21}
